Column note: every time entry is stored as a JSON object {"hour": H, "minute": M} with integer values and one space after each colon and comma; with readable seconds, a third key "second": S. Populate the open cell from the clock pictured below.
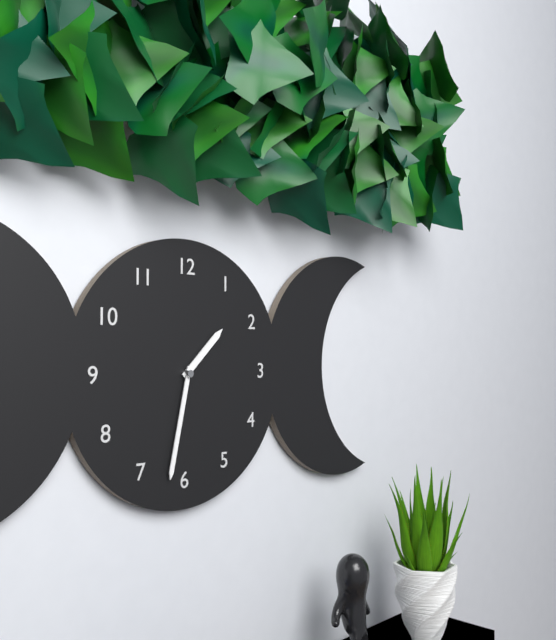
{"hour": 1, "minute": 32}
